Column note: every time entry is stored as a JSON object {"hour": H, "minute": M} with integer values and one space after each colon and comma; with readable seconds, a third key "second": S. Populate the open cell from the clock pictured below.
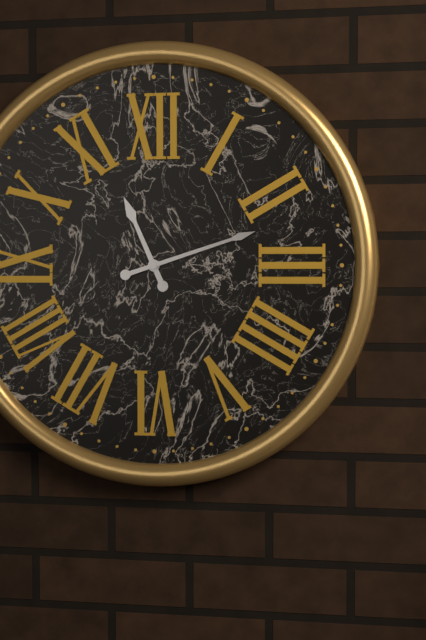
{"hour": 11, "minute": 12}
